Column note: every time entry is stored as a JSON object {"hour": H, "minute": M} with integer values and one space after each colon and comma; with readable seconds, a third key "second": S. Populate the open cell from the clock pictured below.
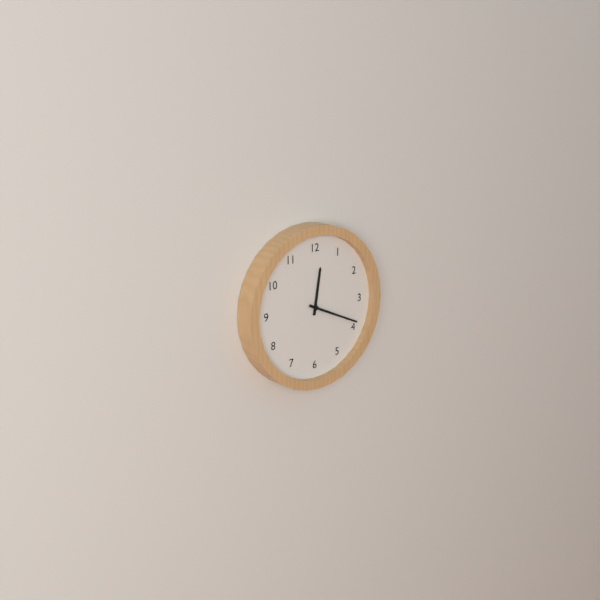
{"hour": 12, "minute": 19}
